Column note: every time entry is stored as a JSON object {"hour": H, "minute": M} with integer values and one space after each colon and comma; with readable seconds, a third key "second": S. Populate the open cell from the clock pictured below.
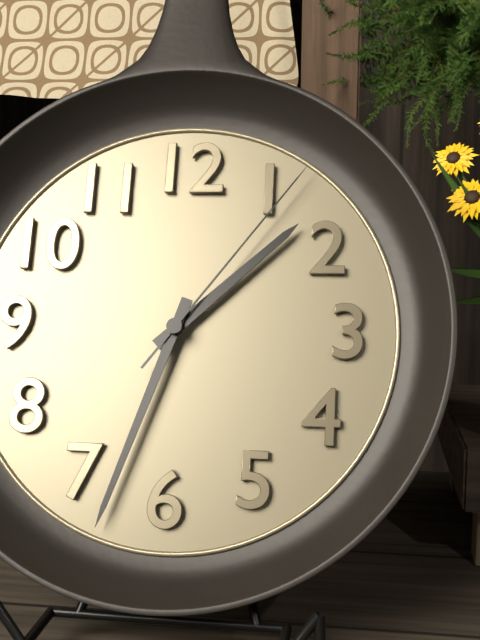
{"hour": 1, "minute": 33, "second": 6}
